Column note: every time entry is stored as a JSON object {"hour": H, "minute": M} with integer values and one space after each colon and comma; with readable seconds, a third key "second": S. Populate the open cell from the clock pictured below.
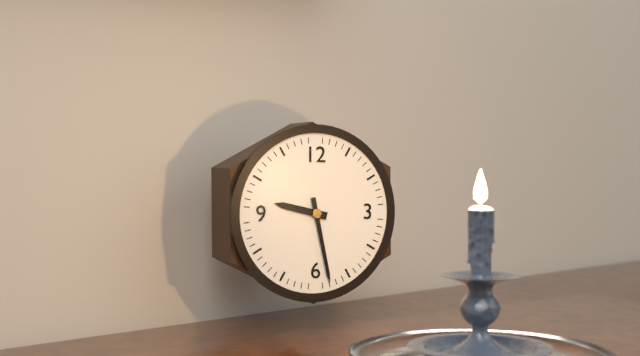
{"hour": 9, "minute": 28}
